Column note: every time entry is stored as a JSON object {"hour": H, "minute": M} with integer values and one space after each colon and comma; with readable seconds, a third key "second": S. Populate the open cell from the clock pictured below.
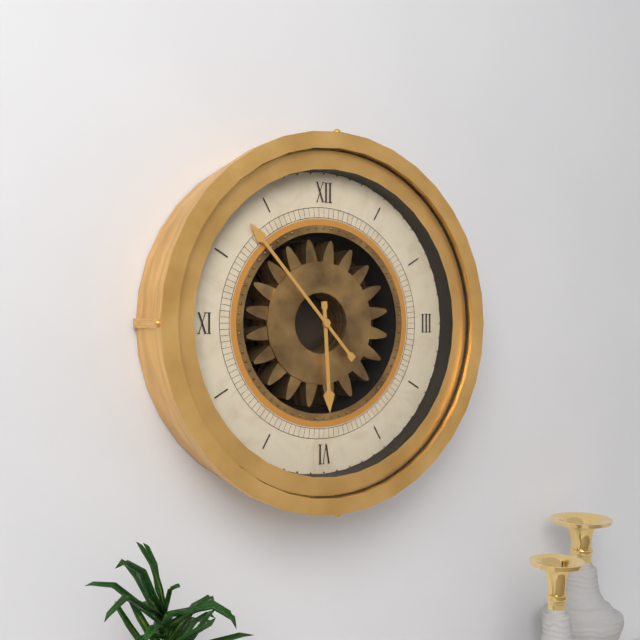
{"hour": 5, "minute": 53}
